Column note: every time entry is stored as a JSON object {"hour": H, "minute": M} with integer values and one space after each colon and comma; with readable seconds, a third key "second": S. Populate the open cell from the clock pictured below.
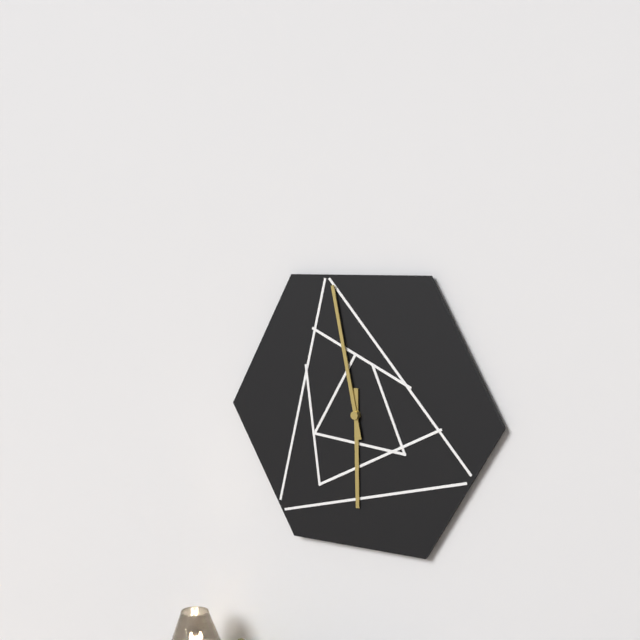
{"hour": 5, "minute": 58}
